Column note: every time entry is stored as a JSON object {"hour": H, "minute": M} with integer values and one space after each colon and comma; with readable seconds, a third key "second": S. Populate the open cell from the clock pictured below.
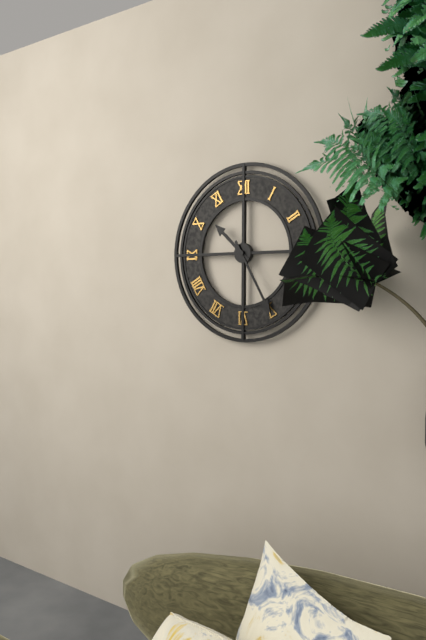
{"hour": 10, "minute": 25}
